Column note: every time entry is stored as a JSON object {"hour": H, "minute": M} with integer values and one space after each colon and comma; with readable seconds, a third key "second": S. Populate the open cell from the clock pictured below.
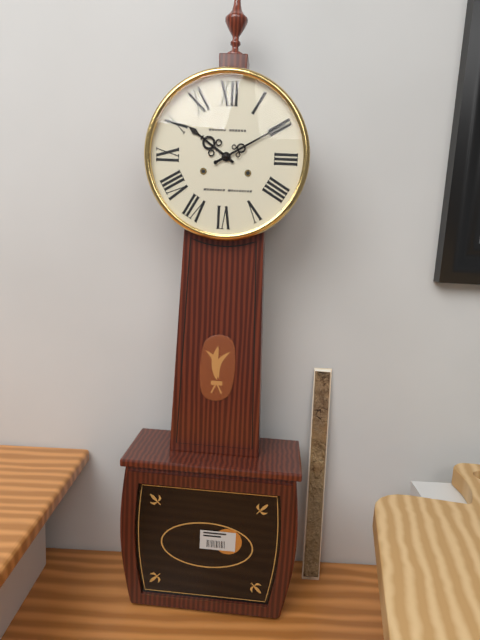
{"hour": 10, "minute": 10}
